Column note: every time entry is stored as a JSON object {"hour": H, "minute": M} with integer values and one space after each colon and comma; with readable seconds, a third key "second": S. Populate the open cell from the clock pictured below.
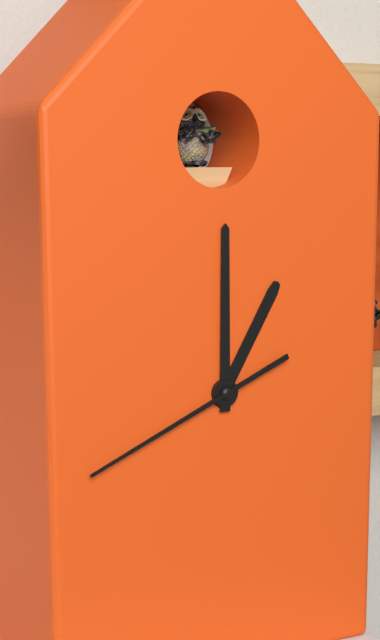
{"hour": 1, "minute": 0, "second": 41}
